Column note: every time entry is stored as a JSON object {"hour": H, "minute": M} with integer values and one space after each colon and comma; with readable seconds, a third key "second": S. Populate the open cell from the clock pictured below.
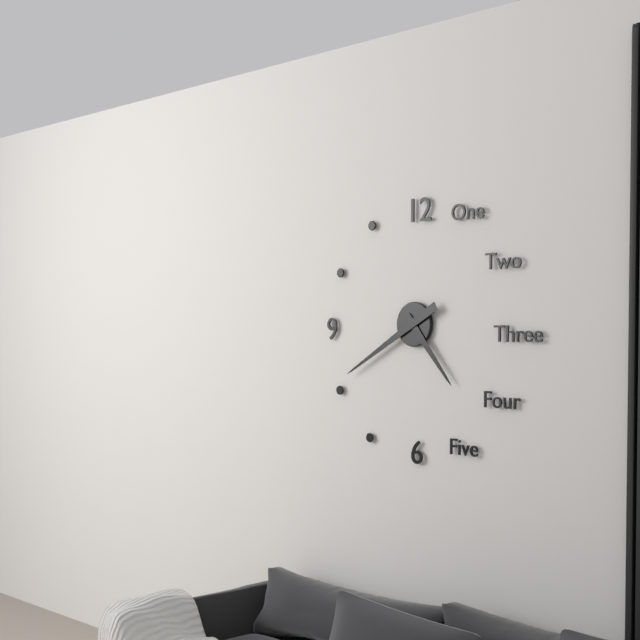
{"hour": 4, "minute": 40}
